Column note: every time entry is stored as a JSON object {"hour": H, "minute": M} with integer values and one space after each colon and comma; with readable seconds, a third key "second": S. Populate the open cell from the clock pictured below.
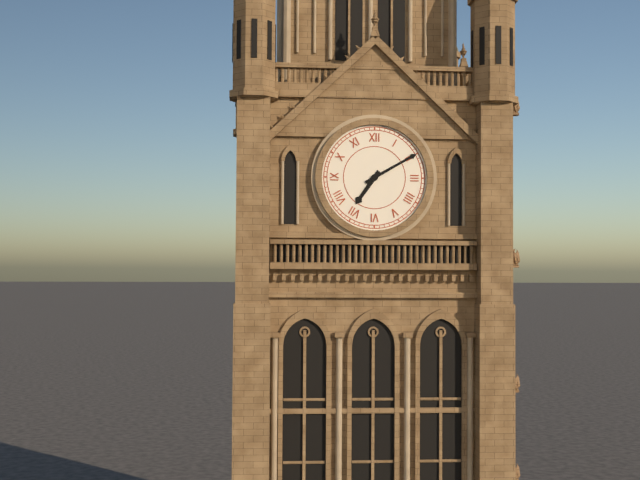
{"hour": 7, "minute": 10}
